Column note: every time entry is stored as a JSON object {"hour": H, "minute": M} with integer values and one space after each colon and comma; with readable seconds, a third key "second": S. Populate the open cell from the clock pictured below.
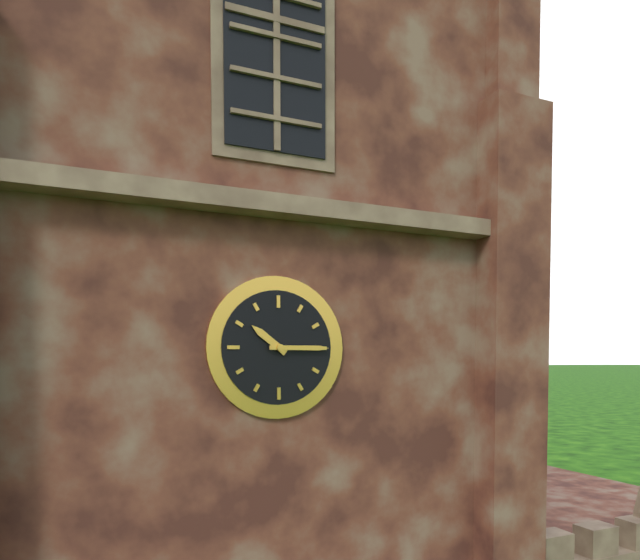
{"hour": 10, "minute": 15}
